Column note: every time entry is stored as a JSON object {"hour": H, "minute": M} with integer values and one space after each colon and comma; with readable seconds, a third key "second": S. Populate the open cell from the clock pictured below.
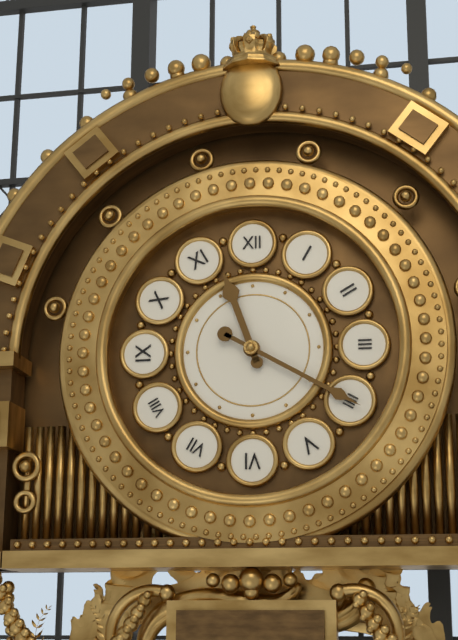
{"hour": 11, "minute": 20}
